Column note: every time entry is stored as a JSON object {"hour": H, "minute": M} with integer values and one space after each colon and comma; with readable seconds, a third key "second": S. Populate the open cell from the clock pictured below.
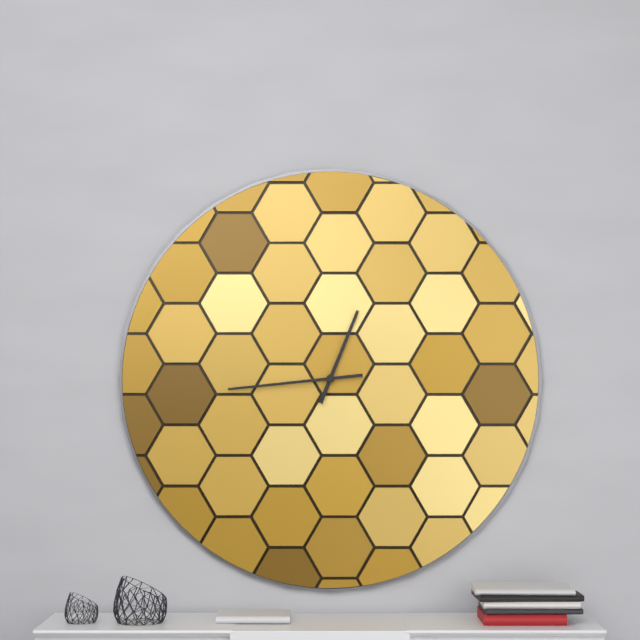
{"hour": 12, "minute": 44}
